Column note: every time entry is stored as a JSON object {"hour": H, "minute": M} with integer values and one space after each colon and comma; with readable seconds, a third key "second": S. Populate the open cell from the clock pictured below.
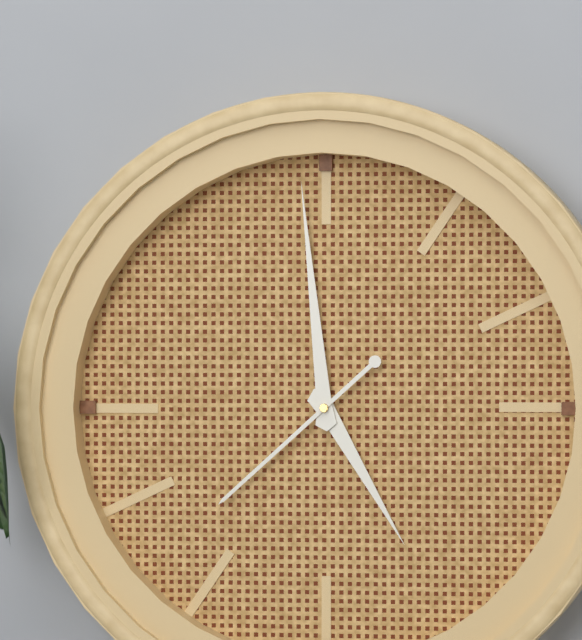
{"hour": 4, "minute": 59, "second": 38}
